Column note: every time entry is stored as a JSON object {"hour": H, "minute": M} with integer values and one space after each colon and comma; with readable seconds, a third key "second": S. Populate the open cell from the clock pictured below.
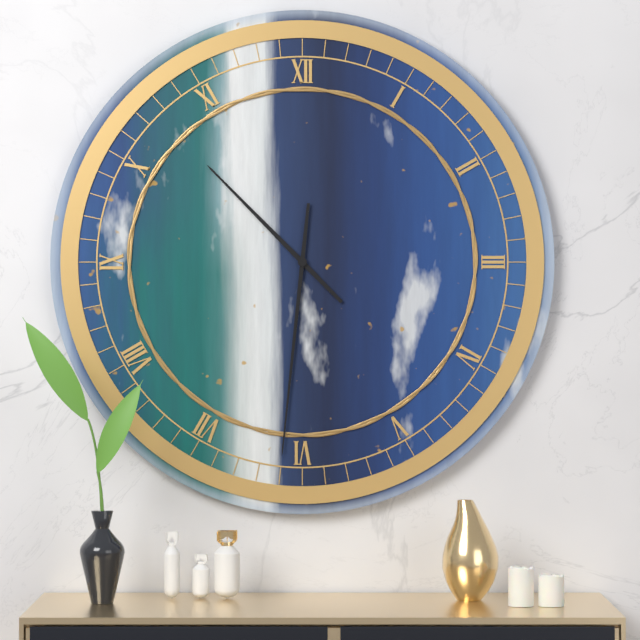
{"hour": 10, "minute": 31}
